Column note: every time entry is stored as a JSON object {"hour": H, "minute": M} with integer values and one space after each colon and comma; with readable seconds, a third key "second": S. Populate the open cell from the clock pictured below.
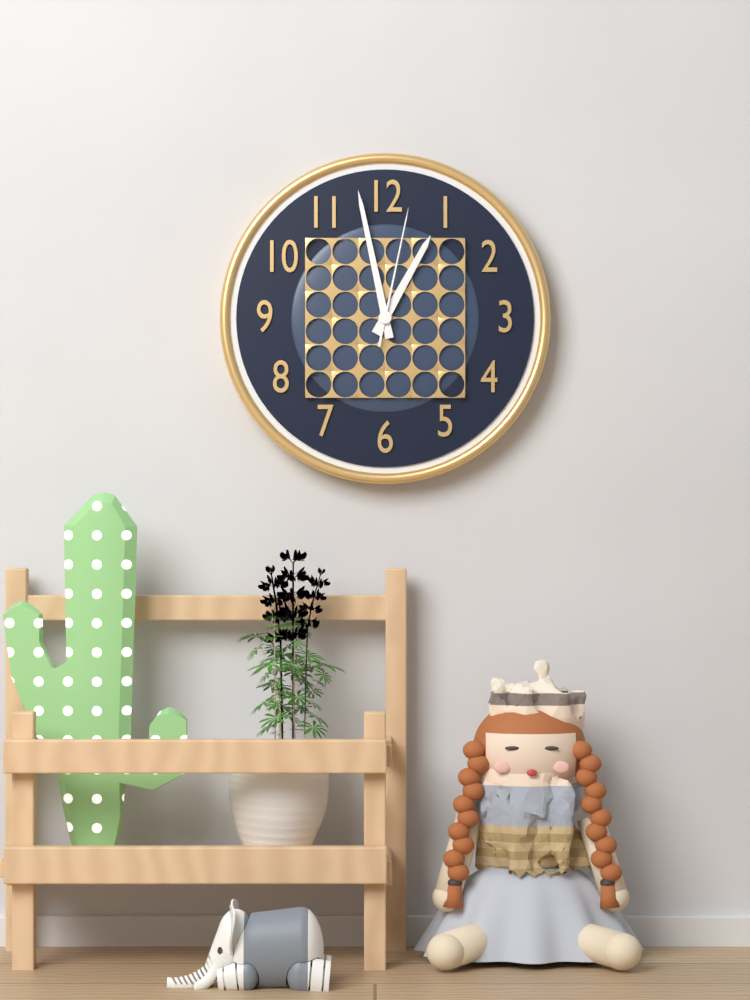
{"hour": 12, "minute": 58, "second": 2}
